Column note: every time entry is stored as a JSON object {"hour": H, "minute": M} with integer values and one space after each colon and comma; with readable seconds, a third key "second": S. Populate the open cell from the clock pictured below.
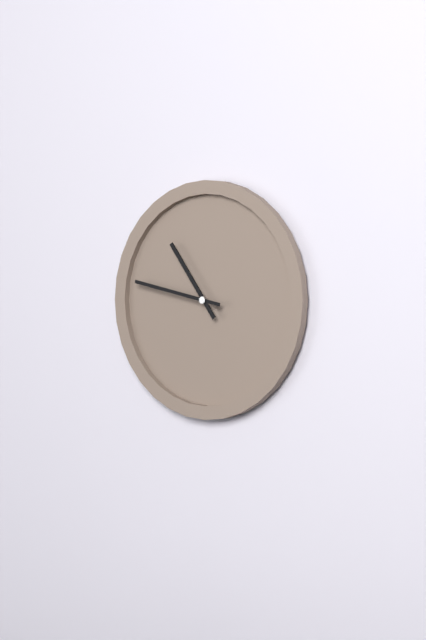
{"hour": 10, "minute": 47}
